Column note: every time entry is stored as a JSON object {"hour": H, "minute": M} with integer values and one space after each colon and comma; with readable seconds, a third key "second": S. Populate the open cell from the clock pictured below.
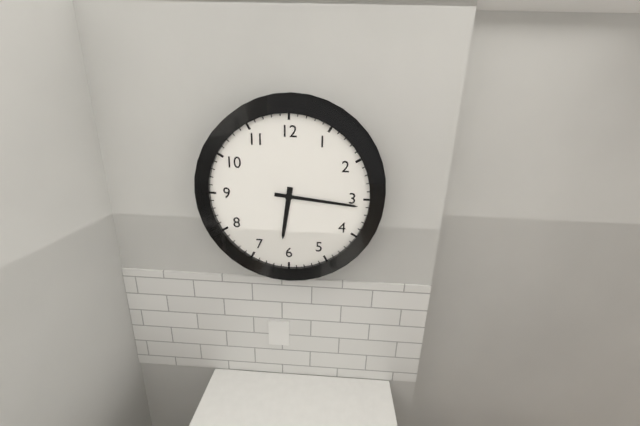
{"hour": 6, "minute": 16}
